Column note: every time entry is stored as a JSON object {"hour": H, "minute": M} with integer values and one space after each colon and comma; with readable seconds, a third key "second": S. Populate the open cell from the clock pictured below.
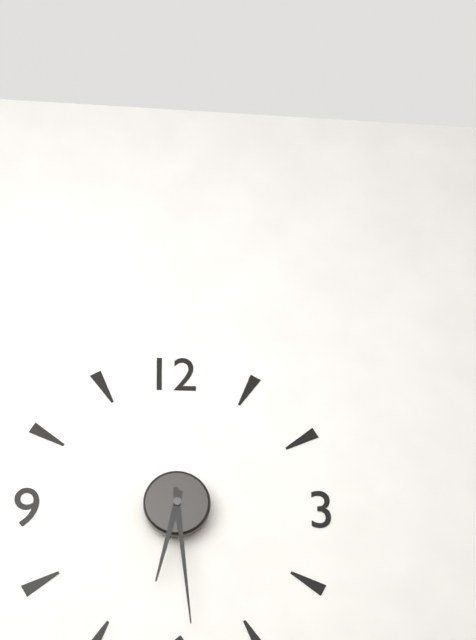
{"hour": 6, "minute": 29}
